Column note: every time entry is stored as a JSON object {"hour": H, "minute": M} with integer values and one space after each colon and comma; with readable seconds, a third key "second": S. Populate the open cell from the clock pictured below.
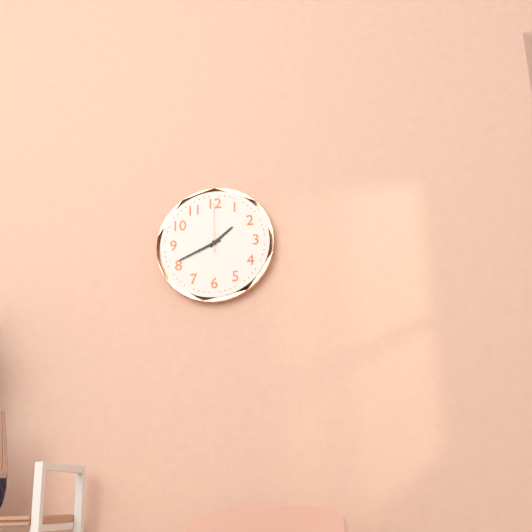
{"hour": 1, "minute": 41, "second": 0}
